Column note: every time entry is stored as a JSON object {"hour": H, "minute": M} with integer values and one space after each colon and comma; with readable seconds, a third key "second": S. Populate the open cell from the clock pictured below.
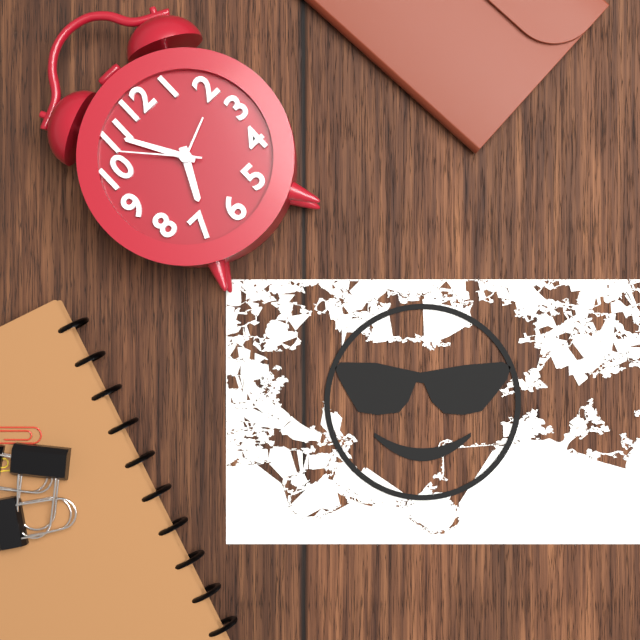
{"hour": 6, "minute": 55, "second": 53}
